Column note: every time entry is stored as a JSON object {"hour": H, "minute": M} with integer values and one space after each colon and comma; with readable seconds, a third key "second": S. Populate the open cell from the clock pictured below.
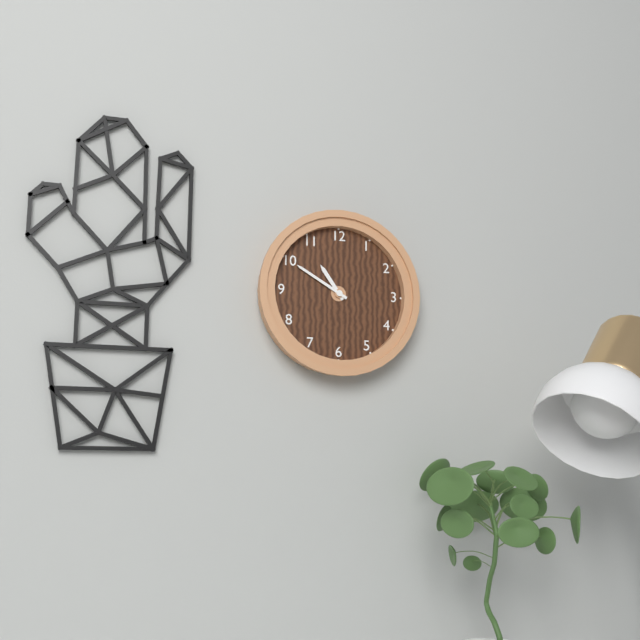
{"hour": 10, "minute": 50}
